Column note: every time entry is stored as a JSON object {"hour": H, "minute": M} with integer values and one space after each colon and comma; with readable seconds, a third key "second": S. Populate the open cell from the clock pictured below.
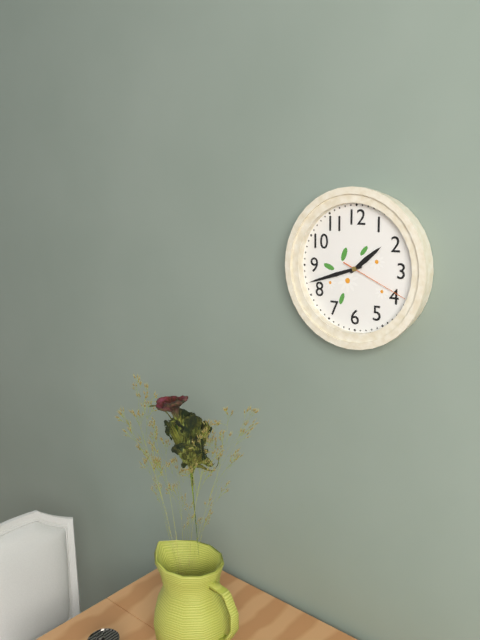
{"hour": 1, "minute": 42, "second": 19}
